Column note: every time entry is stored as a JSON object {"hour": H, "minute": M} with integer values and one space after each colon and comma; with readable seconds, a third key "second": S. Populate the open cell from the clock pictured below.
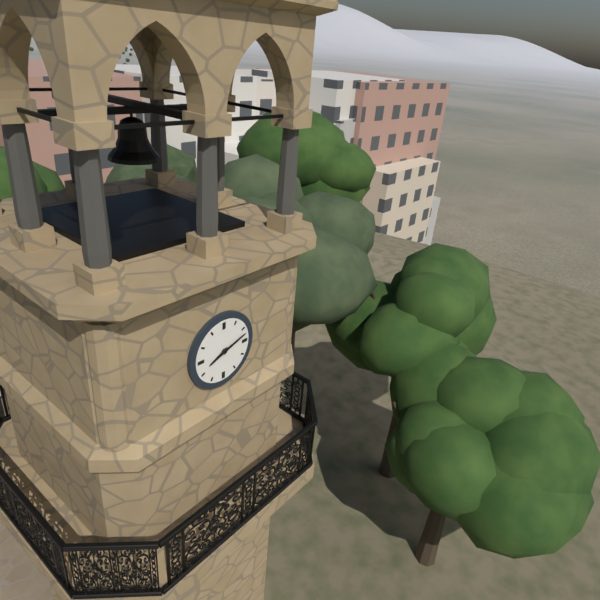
{"hour": 8, "minute": 12}
